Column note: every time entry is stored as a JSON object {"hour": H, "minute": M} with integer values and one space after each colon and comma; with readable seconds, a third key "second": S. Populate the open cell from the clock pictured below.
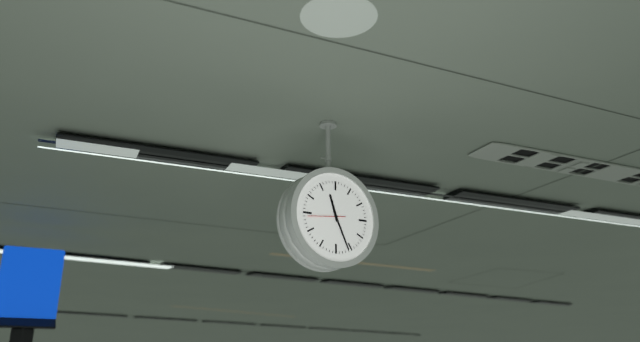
{"hour": 11, "minute": 26}
